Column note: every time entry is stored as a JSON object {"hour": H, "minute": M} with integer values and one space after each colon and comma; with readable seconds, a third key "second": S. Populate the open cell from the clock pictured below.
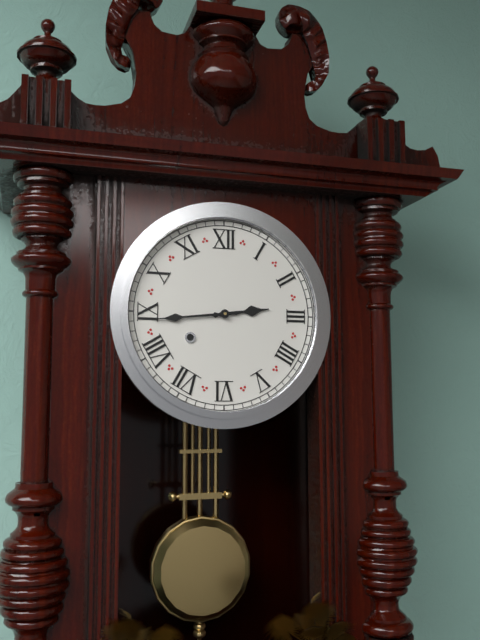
{"hour": 2, "minute": 44}
